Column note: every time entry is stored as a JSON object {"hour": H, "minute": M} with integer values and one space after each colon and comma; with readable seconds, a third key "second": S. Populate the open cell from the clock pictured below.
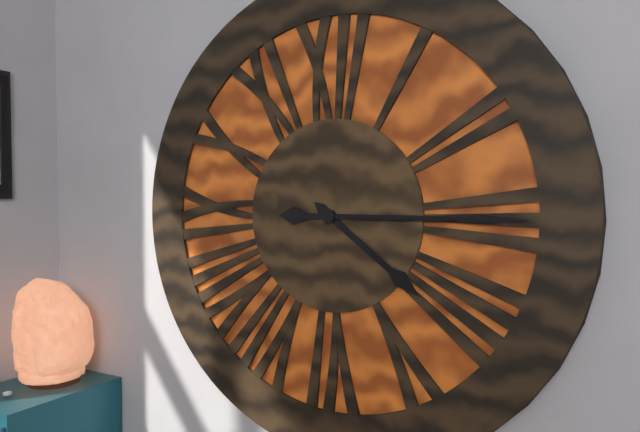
{"hour": 4, "minute": 15}
